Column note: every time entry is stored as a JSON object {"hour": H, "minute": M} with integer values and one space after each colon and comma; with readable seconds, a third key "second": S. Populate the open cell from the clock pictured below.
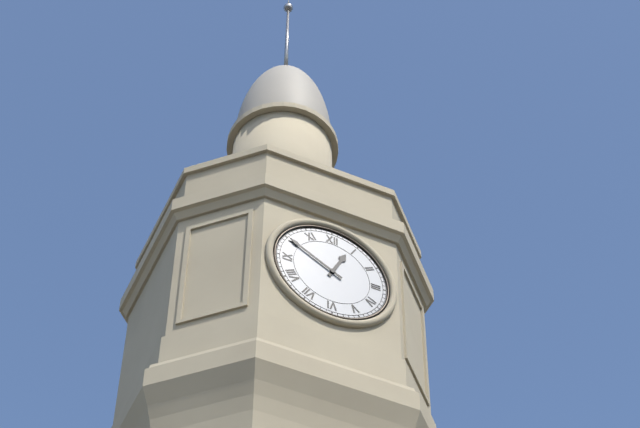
{"hour": 12, "minute": 50}
